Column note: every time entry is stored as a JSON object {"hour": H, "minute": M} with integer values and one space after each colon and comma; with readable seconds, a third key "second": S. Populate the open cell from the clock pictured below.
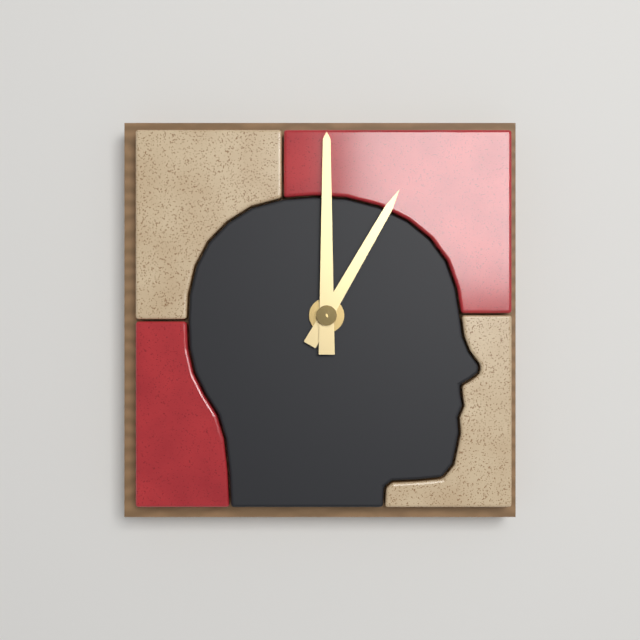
{"hour": 1, "minute": 0}
